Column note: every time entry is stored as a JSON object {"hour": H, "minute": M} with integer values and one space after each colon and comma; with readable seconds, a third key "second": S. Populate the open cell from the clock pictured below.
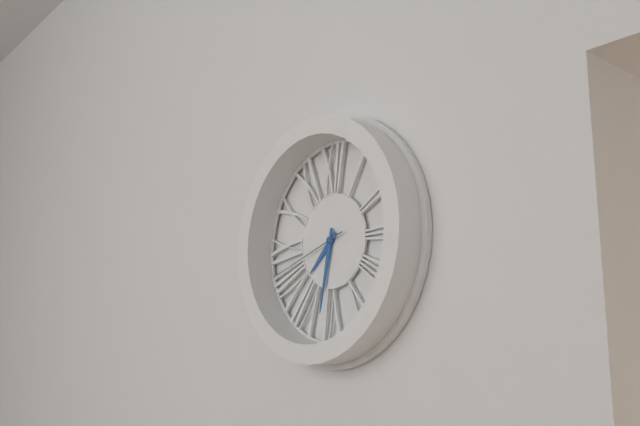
{"hour": 7, "minute": 32, "second": 42}
